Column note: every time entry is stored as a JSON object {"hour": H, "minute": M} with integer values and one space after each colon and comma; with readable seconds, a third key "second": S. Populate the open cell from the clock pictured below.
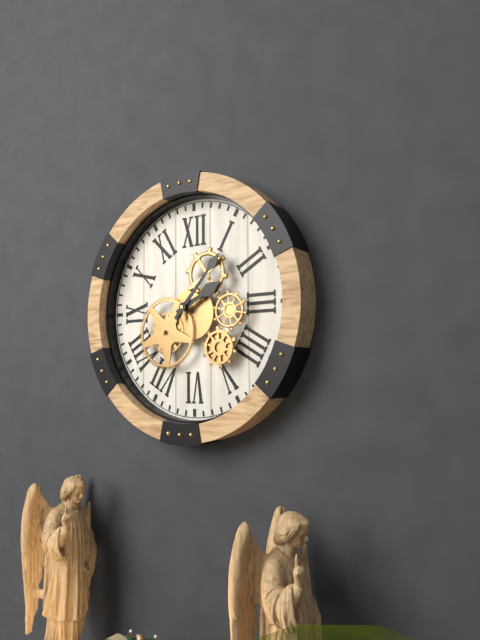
{"hour": 2, "minute": 7}
